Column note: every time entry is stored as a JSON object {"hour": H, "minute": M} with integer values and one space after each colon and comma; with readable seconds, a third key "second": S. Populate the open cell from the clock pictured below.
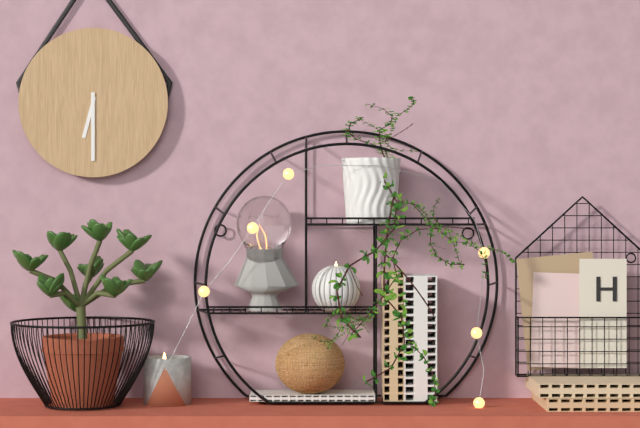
{"hour": 6, "minute": 30}
